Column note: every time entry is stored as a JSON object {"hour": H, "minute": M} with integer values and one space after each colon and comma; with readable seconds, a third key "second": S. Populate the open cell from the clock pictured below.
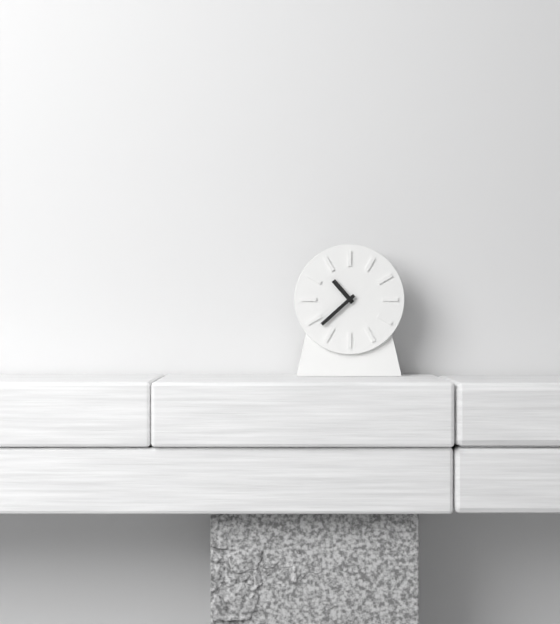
{"hour": 10, "minute": 38}
